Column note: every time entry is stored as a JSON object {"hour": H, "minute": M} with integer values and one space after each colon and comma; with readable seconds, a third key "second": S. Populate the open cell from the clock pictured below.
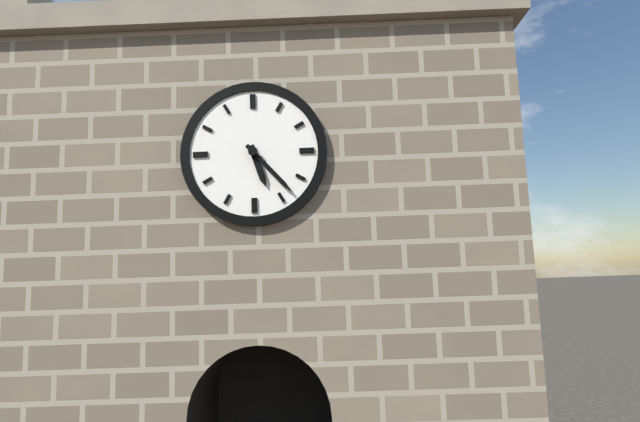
{"hour": 5, "minute": 23}
